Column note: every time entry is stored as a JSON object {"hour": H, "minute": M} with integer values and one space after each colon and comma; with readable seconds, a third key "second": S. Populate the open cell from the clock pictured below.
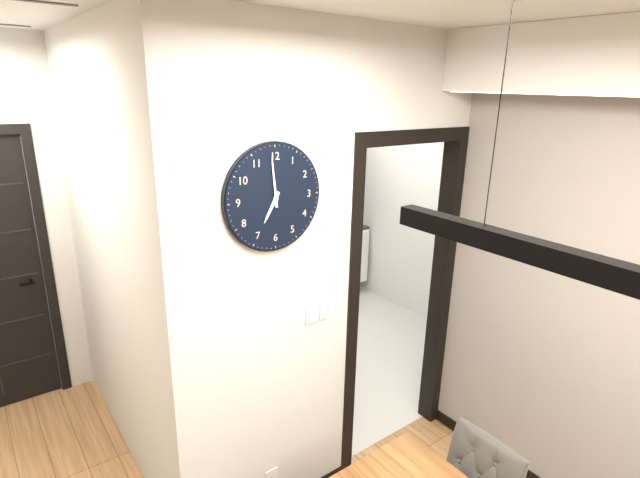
{"hour": 6, "minute": 59}
